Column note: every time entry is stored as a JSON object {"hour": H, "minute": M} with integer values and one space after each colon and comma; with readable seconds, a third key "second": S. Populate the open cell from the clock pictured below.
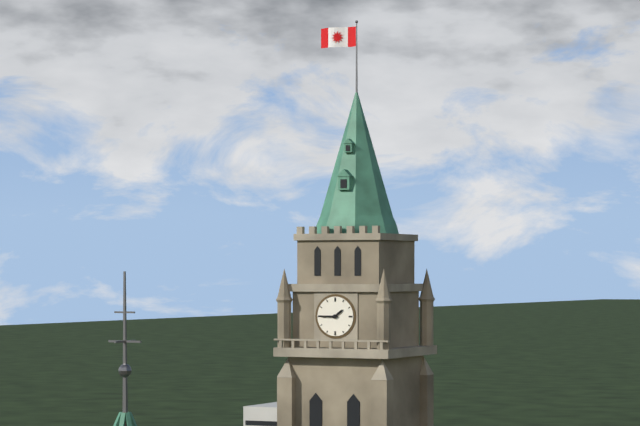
{"hour": 1, "minute": 45}
